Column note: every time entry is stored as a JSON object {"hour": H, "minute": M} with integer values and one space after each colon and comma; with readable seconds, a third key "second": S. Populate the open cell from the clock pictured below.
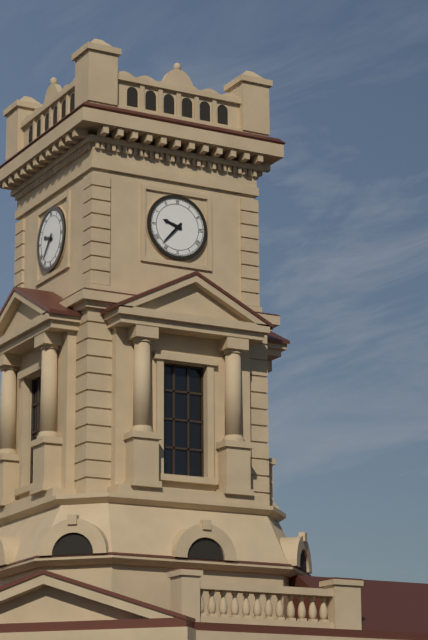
{"hour": 9, "minute": 37}
